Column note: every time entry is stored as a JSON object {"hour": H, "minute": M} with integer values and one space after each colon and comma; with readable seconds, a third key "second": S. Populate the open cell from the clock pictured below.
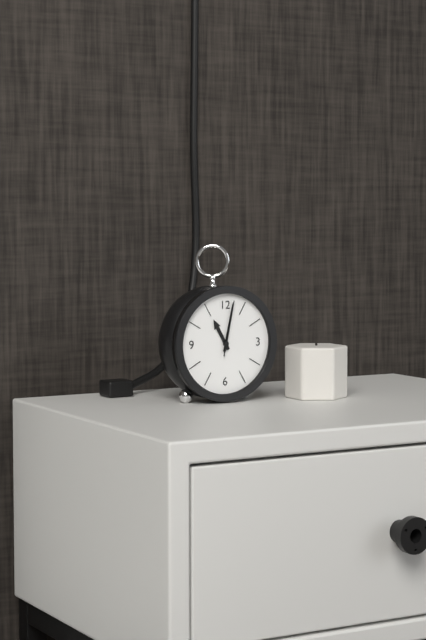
{"hour": 11, "minute": 2, "second": 2}
